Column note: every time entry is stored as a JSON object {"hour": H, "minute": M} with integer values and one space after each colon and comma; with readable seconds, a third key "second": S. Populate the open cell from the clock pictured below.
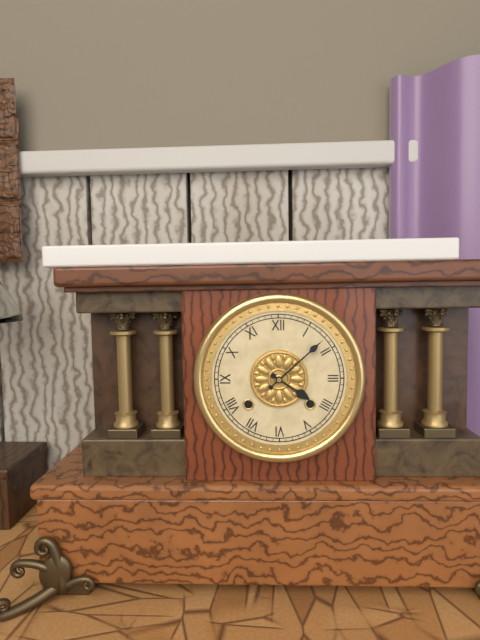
{"hour": 4, "minute": 8}
